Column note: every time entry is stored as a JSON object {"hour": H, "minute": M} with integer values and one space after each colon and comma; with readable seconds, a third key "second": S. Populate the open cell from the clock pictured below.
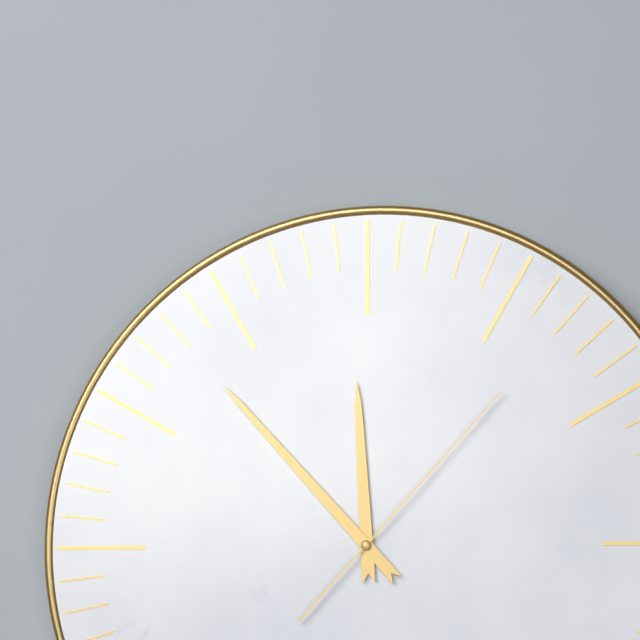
{"hour": 11, "minute": 53, "second": 7}
